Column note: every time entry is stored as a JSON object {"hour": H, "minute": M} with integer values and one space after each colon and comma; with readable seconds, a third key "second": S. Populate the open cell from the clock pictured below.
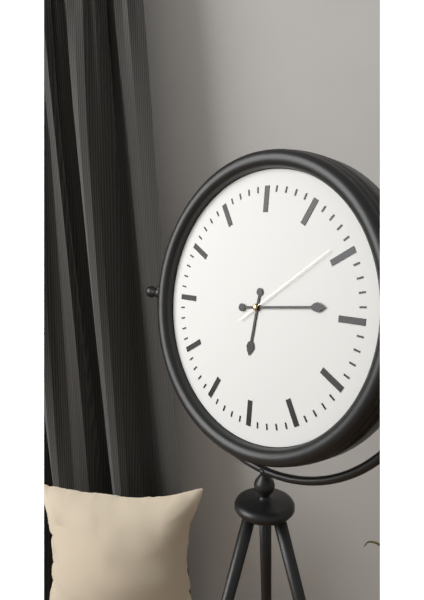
{"hour": 6, "minute": 14, "second": 9}
